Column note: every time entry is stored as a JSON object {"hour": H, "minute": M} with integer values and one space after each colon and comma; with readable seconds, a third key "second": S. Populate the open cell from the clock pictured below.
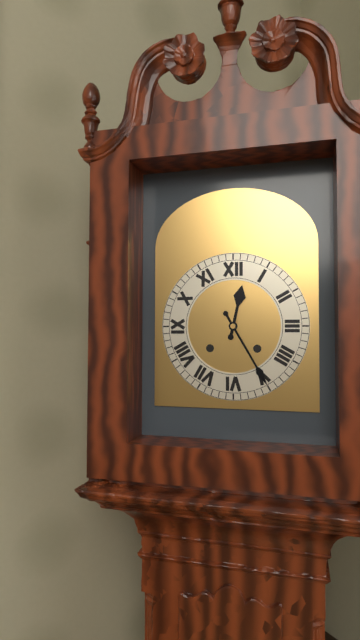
{"hour": 12, "minute": 25}
